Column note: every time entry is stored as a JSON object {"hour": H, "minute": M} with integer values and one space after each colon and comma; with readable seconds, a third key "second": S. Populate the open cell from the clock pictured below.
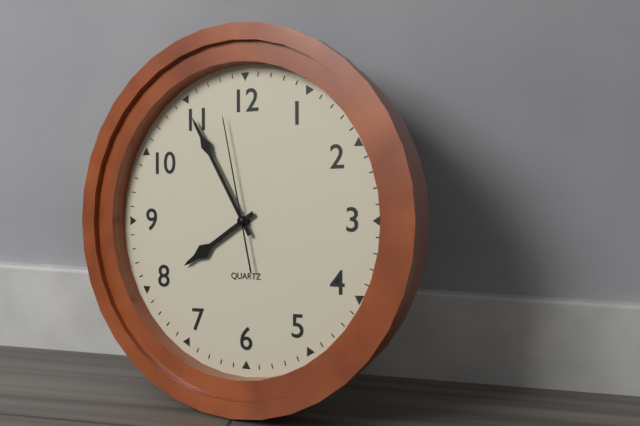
{"hour": 7, "minute": 55, "second": 58}
